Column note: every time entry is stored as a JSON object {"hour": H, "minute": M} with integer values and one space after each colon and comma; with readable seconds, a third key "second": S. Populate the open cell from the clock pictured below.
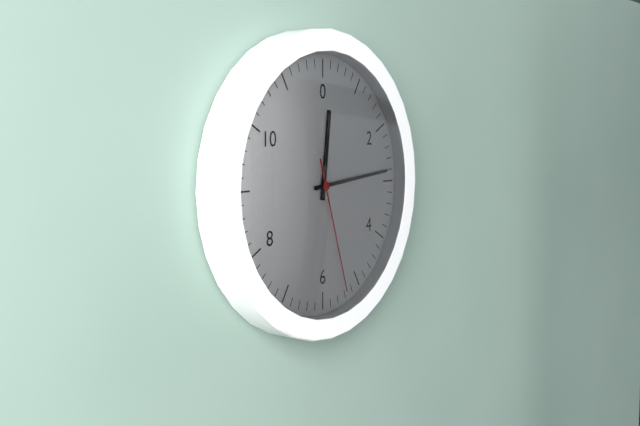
{"hour": 12, "minute": 14, "second": 27}
